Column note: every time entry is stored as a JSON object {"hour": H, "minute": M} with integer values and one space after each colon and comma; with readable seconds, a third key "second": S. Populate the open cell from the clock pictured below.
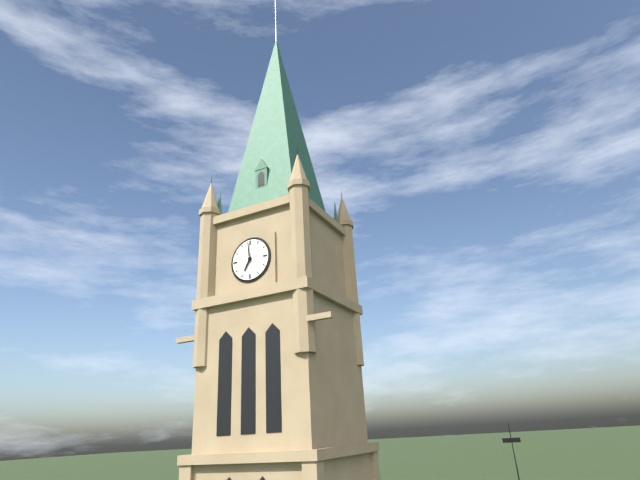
{"hour": 6, "minute": 59}
